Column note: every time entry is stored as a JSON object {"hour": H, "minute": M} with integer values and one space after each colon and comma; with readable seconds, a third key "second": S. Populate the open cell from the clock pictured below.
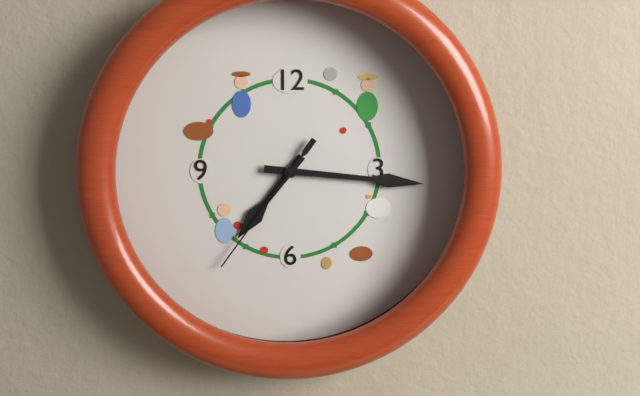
{"hour": 7, "minute": 16, "second": 36}
